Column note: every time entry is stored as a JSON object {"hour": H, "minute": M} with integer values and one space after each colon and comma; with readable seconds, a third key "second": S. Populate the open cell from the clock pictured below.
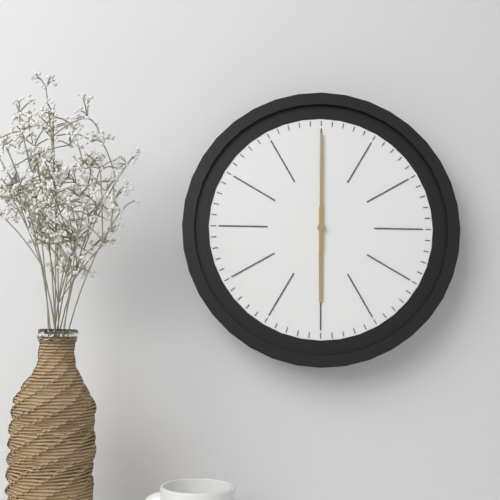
{"hour": 6, "minute": 0}
